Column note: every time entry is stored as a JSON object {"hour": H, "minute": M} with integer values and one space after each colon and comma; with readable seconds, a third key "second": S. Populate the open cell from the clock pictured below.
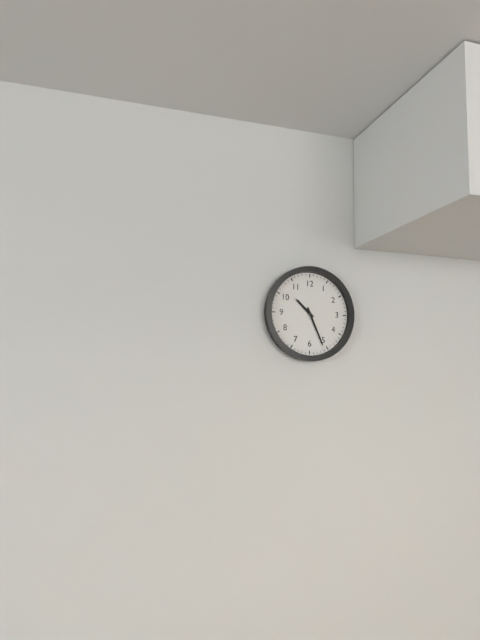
{"hour": 10, "minute": 26}
